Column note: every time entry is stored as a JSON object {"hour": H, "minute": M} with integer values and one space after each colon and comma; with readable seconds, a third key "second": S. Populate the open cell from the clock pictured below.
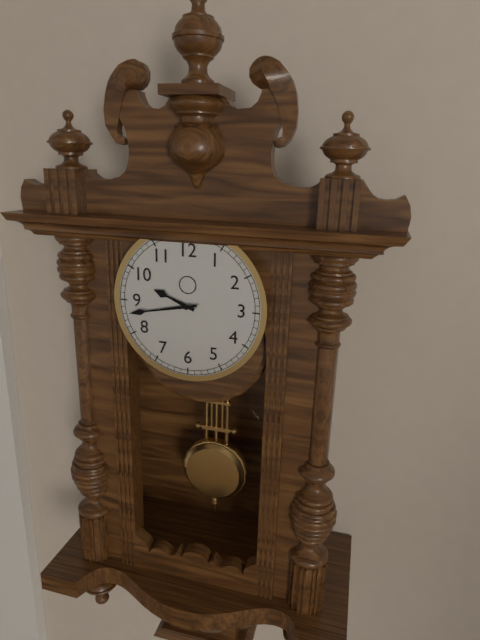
{"hour": 9, "minute": 43}
